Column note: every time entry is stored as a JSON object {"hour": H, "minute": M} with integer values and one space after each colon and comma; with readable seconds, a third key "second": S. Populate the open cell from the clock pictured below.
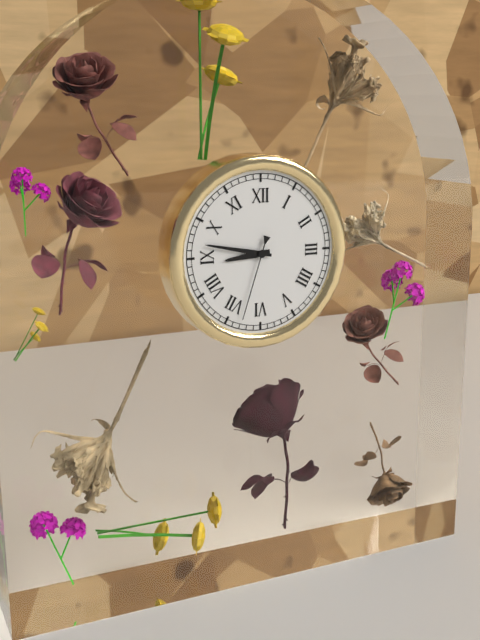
{"hour": 8, "minute": 47, "second": 33}
